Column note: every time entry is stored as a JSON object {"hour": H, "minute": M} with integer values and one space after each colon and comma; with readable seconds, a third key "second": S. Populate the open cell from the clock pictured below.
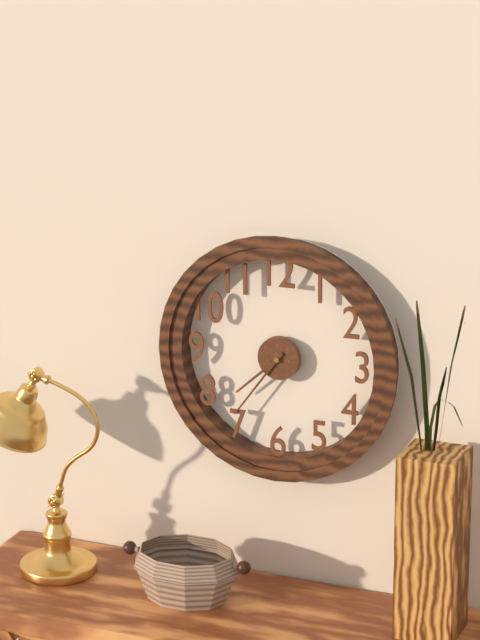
{"hour": 7, "minute": 36}
